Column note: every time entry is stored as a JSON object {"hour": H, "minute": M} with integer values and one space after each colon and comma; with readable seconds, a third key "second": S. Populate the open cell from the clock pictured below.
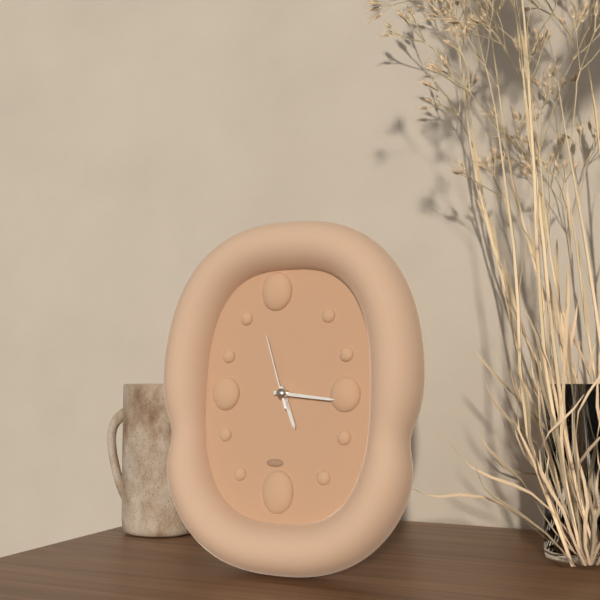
{"hour": 5, "minute": 16, "second": 57}
